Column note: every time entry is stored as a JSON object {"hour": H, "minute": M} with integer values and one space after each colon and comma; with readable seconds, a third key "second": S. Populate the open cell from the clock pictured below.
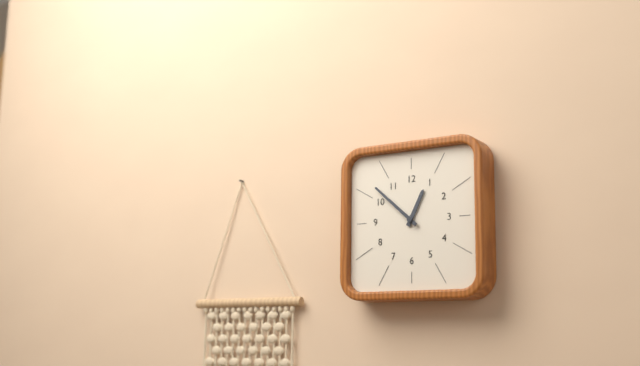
{"hour": 12, "minute": 52}
